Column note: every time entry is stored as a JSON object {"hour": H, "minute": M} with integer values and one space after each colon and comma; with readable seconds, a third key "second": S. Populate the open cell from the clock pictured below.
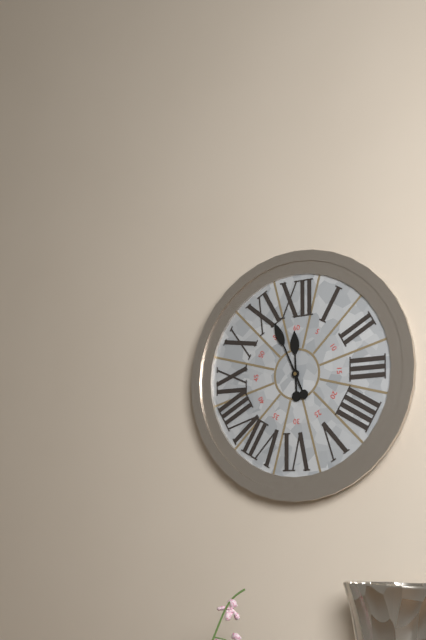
{"hour": 11, "minute": 56}
